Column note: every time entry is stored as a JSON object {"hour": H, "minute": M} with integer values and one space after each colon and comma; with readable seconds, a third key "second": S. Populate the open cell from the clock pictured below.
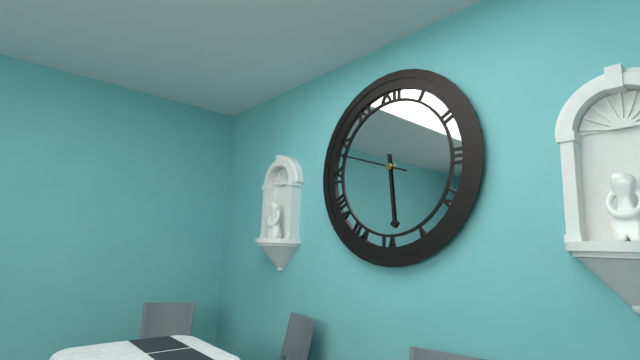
{"hour": 5, "minute": 48}
